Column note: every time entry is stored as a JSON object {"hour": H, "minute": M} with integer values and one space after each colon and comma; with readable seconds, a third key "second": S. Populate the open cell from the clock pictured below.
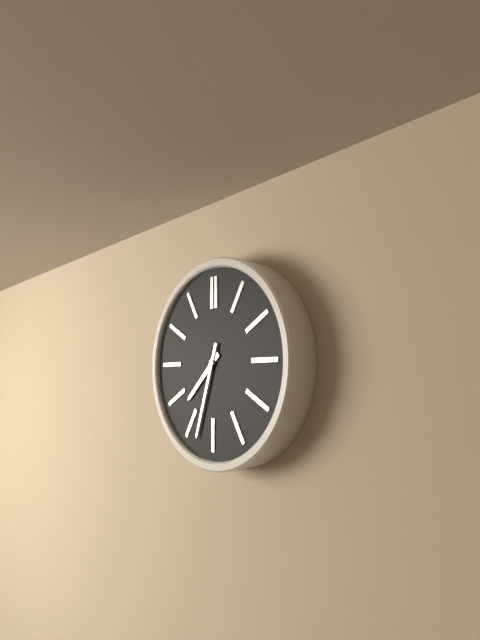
{"hour": 7, "minute": 33}
